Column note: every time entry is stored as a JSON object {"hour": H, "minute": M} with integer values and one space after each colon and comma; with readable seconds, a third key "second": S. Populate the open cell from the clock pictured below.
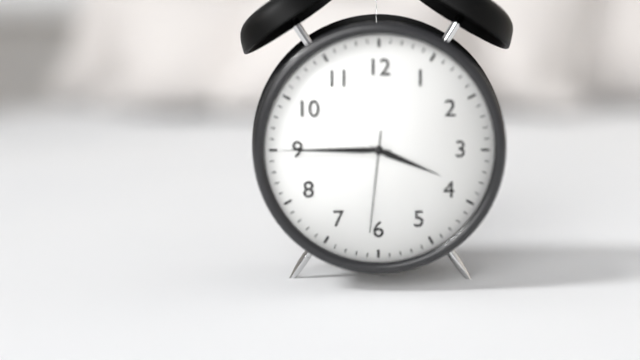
{"hour": 3, "minute": 45, "second": 31}
